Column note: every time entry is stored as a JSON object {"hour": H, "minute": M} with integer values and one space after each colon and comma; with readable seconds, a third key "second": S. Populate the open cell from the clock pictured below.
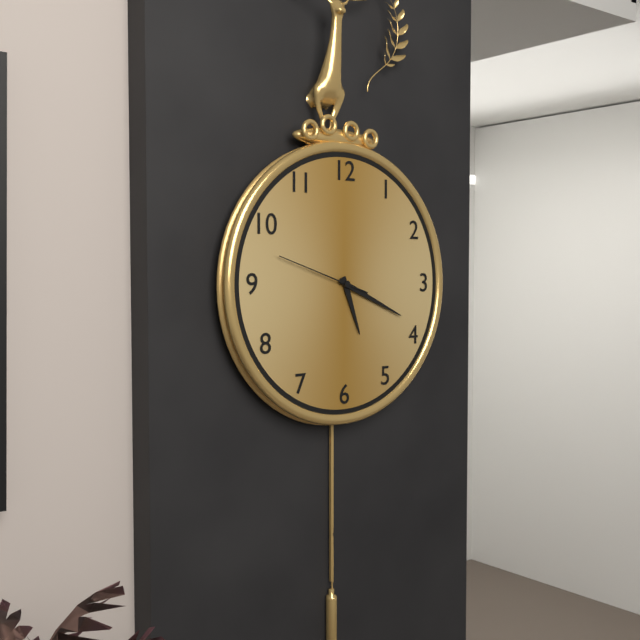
{"hour": 5, "minute": 19, "second": 48}
